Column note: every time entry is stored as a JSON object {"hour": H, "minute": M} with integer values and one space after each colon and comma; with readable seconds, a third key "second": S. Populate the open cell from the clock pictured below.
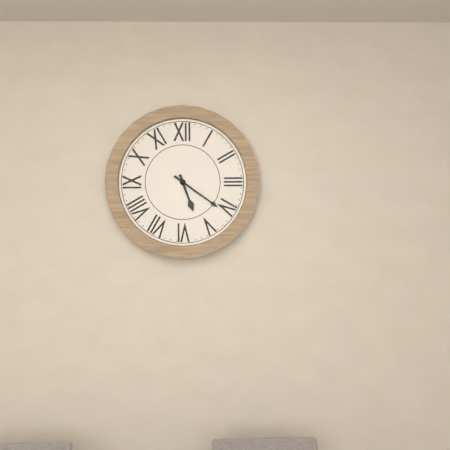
{"hour": 5, "minute": 21}
